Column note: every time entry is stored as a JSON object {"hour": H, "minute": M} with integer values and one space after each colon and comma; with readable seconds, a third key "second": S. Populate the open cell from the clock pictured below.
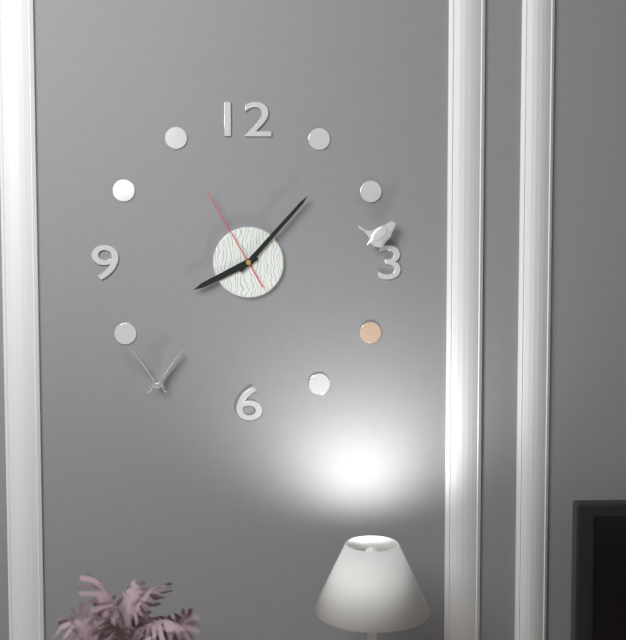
{"hour": 8, "minute": 7, "second": 55}
